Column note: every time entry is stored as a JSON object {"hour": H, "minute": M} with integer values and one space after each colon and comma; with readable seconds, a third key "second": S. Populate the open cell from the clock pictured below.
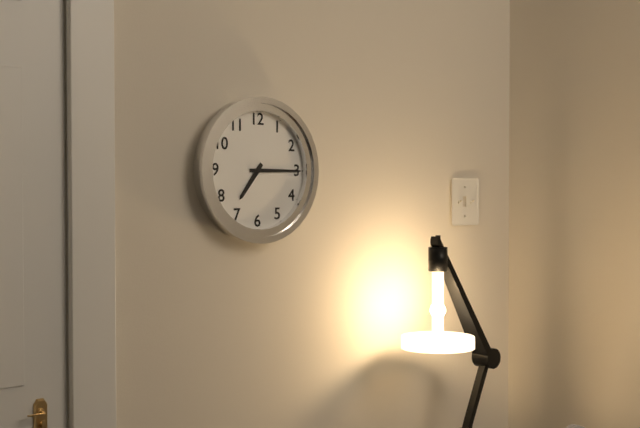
{"hour": 7, "minute": 15}
